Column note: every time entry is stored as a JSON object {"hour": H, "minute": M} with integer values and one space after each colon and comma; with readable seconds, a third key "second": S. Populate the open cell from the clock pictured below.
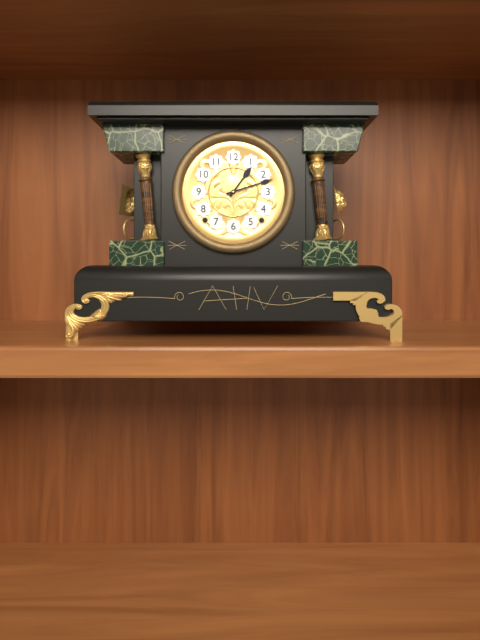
{"hour": 1, "minute": 12}
